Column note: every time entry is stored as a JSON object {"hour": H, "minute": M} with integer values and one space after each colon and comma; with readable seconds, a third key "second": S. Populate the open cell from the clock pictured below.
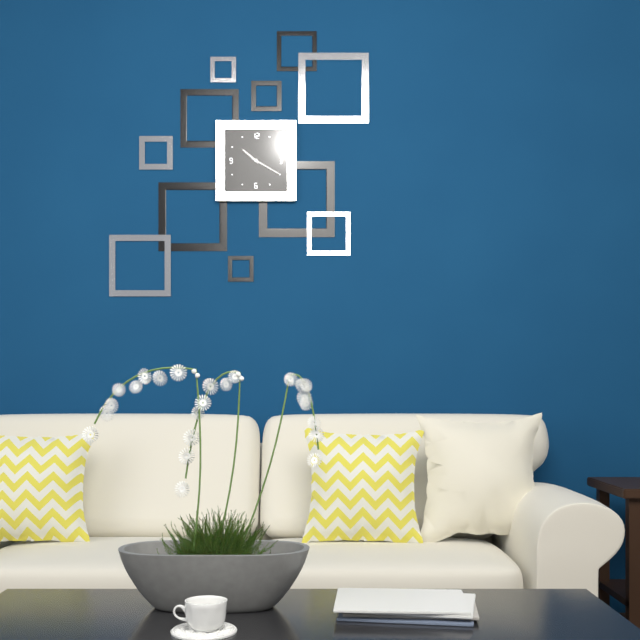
{"hour": 10, "minute": 20}
